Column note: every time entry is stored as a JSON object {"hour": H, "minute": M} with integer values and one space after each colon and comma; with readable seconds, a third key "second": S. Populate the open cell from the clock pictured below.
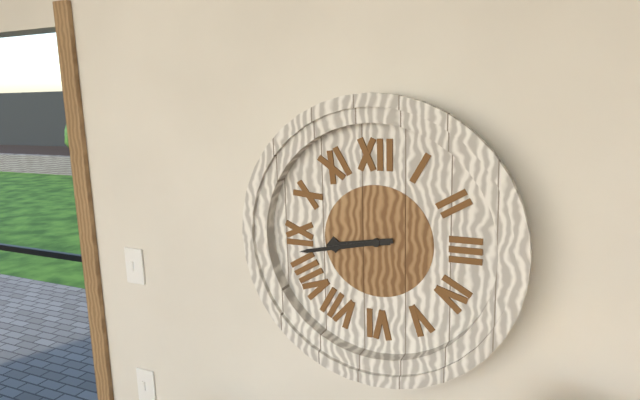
{"hour": 8, "minute": 43}
